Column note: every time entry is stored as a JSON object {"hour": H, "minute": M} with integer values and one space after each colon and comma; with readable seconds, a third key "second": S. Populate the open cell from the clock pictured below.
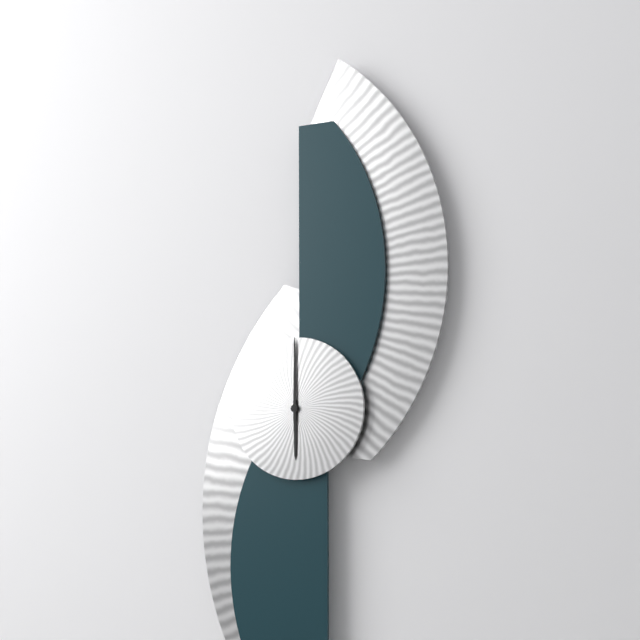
{"hour": 6, "minute": 0}
